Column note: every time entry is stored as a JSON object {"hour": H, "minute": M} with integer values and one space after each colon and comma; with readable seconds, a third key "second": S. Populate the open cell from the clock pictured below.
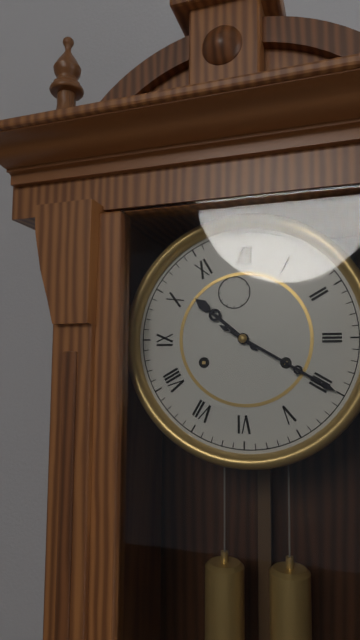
{"hour": 10, "minute": 20}
